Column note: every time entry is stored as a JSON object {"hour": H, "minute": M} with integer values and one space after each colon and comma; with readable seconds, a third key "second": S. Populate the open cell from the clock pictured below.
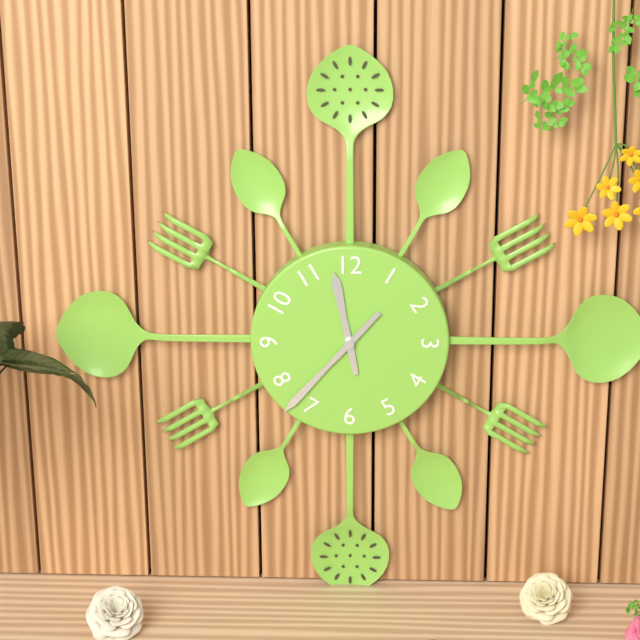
{"hour": 11, "minute": 37}
